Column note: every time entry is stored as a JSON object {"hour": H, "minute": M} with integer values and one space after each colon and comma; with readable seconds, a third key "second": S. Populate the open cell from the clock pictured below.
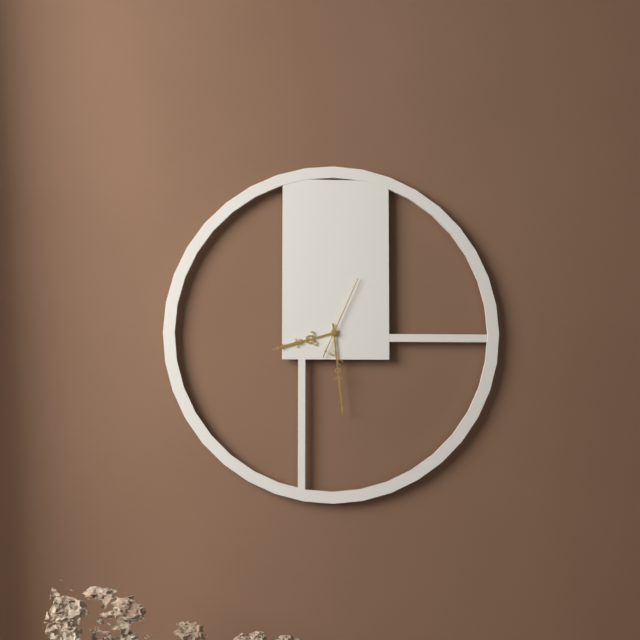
{"hour": 8, "minute": 29, "second": 4}
